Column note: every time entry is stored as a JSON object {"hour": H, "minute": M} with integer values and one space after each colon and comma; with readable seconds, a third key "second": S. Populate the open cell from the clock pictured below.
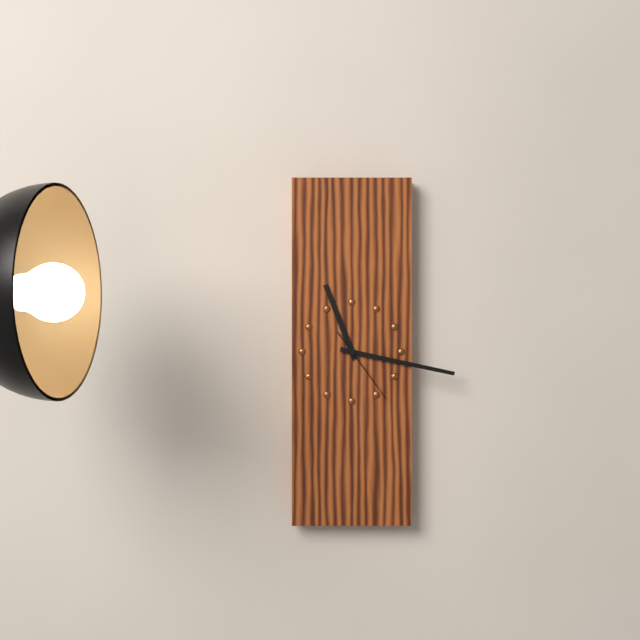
{"hour": 11, "minute": 17, "second": 24}
